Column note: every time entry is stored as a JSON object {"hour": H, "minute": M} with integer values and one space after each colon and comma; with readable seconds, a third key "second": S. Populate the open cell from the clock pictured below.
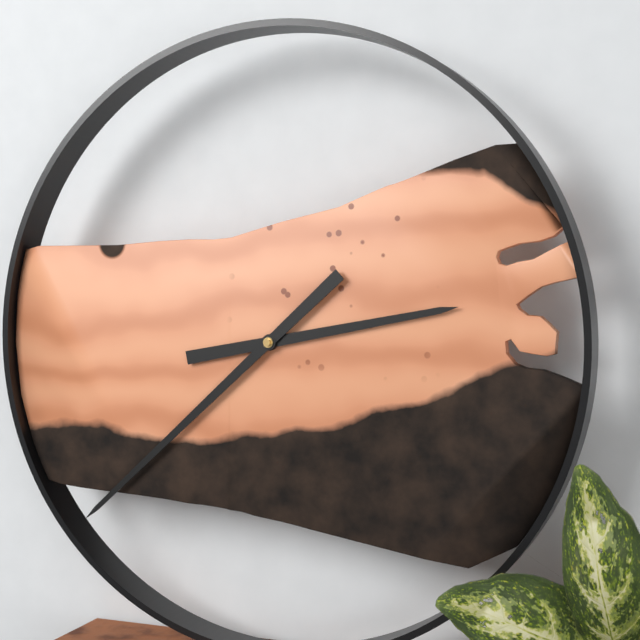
{"hour": 2, "minute": 38}
